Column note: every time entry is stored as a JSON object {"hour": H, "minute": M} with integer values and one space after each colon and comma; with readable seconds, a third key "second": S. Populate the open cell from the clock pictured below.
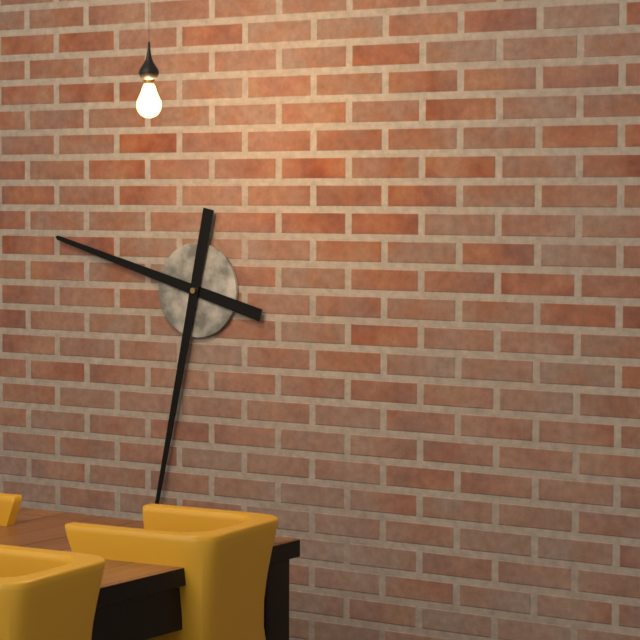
{"hour": 9, "minute": 32}
